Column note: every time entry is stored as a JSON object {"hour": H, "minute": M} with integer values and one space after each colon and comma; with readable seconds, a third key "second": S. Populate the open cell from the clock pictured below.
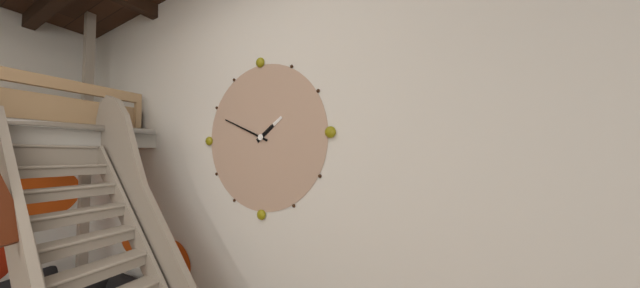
{"hour": 1, "minute": 49}
